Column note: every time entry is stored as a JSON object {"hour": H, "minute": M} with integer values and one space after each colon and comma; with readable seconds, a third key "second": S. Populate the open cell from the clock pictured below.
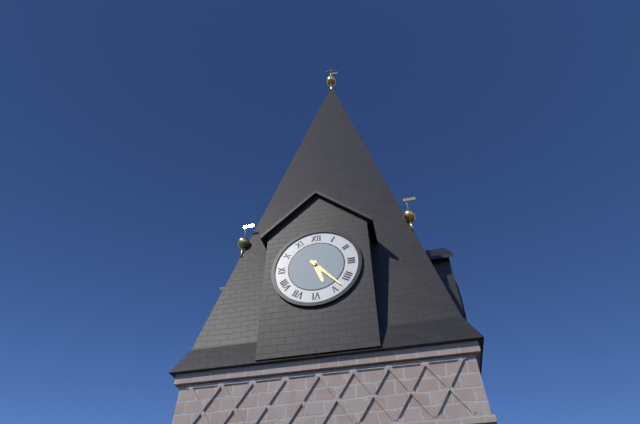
{"hour": 5, "minute": 23}
